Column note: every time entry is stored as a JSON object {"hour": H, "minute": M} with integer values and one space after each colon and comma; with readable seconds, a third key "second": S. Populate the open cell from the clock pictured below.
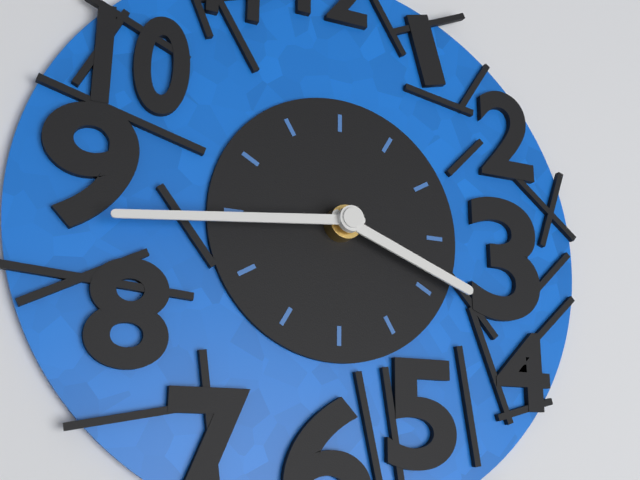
{"hour": 3, "minute": 44}
